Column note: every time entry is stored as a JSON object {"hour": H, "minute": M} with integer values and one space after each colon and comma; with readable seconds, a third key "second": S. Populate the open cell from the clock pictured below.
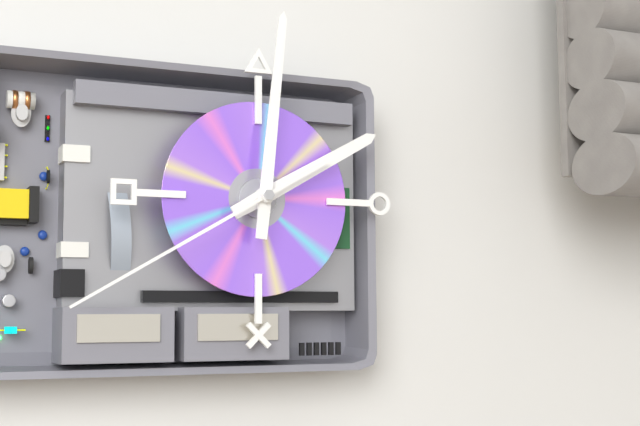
{"hour": 2, "minute": 1, "second": 40}
